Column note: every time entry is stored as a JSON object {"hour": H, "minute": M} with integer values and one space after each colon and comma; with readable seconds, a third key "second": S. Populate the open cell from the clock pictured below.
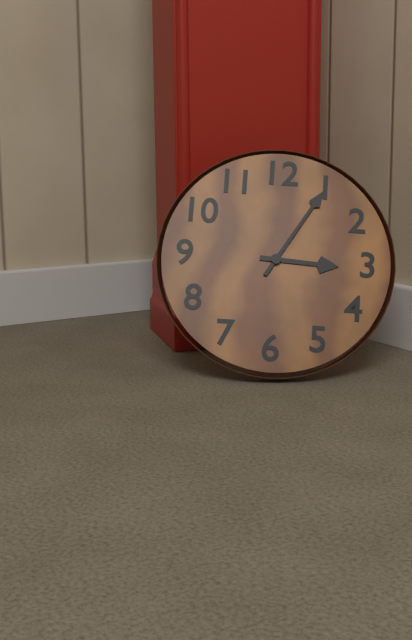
{"hour": 3, "minute": 5}
